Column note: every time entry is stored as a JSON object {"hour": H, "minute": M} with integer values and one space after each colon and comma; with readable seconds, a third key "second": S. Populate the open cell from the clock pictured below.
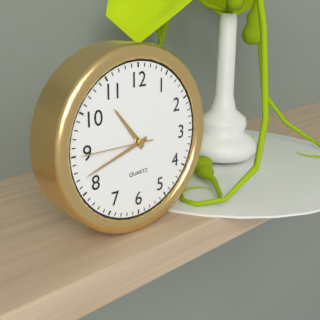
{"hour": 10, "minute": 42, "second": 45}
